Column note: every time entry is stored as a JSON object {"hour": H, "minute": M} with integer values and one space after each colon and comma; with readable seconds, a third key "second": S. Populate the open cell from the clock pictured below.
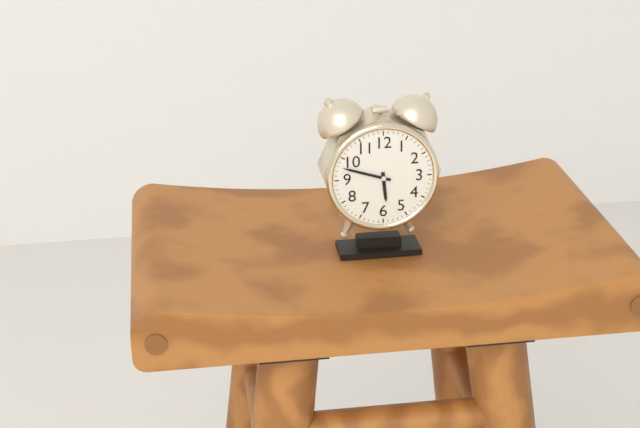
{"hour": 5, "minute": 48}
